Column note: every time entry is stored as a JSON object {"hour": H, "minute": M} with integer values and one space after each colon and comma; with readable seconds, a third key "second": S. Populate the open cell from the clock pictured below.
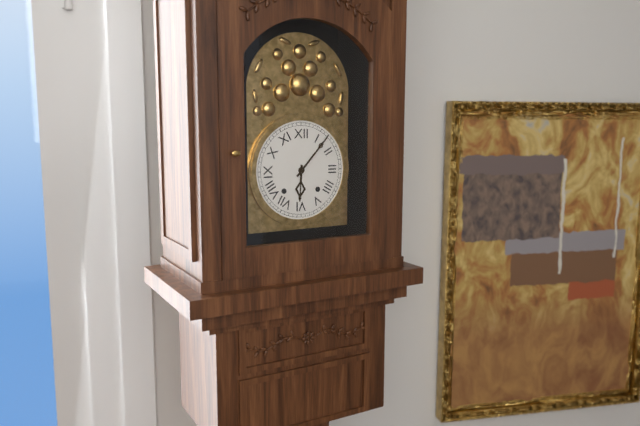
{"hour": 6, "minute": 7}
